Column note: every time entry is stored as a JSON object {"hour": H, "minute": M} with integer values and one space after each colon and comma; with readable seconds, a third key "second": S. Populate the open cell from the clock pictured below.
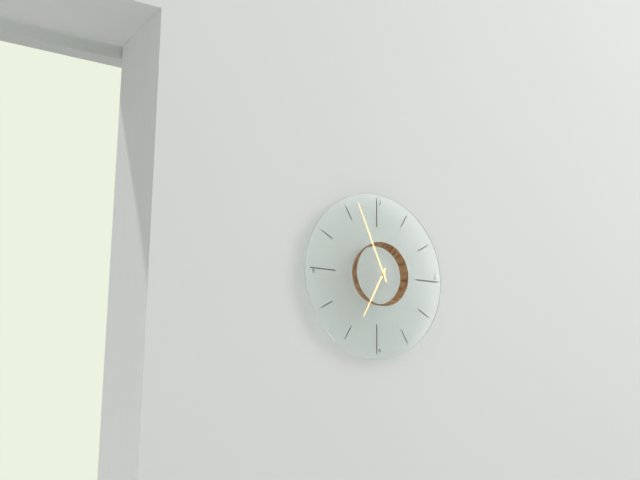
{"hour": 6, "minute": 56}
